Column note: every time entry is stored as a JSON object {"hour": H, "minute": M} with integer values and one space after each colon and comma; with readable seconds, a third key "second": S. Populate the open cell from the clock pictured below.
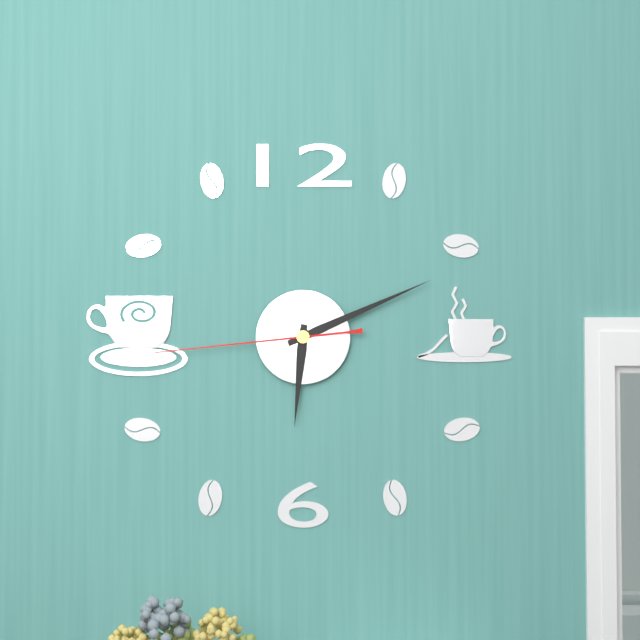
{"hour": 6, "minute": 11, "second": 44}
